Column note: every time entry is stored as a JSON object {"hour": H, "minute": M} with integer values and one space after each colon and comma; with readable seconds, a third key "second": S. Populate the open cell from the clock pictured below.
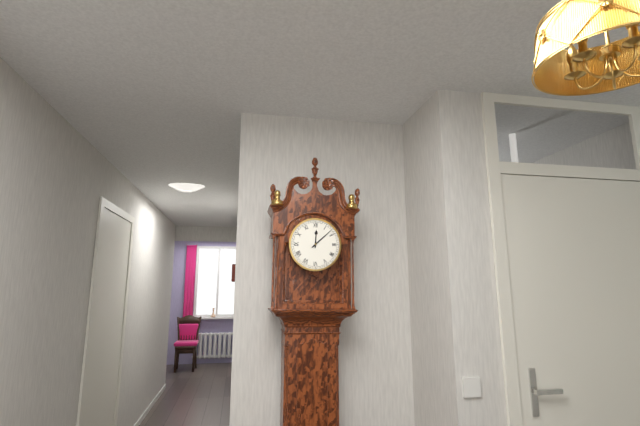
{"hour": 12, "minute": 8}
